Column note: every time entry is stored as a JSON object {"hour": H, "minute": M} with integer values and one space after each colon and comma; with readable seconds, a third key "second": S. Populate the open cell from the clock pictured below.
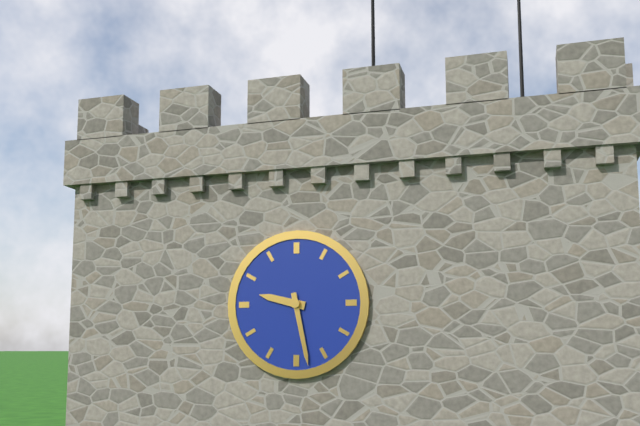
{"hour": 9, "minute": 28}
